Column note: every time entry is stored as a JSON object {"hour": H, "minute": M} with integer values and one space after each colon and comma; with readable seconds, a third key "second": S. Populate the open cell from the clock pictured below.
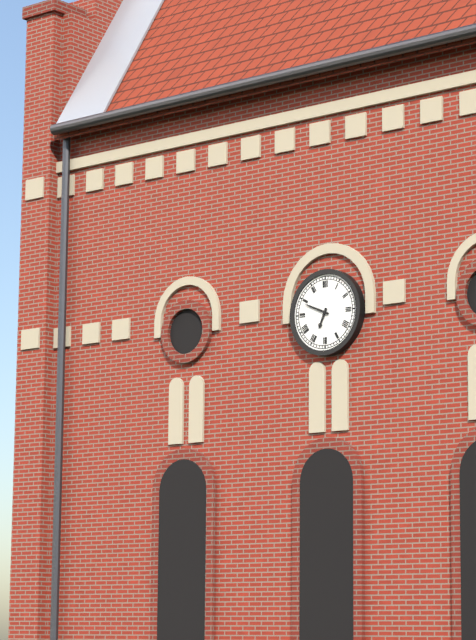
{"hour": 6, "minute": 49}
